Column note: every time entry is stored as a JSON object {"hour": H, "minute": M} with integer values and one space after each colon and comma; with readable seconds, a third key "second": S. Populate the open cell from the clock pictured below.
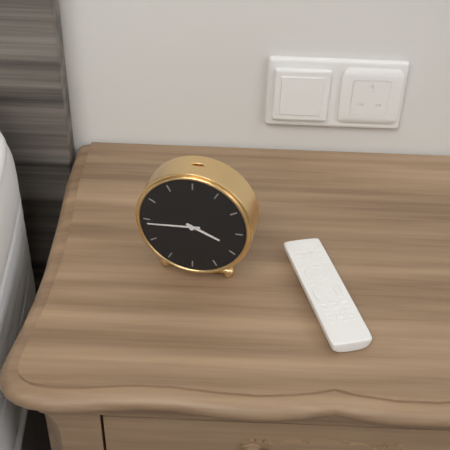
{"hour": 3, "minute": 44}
